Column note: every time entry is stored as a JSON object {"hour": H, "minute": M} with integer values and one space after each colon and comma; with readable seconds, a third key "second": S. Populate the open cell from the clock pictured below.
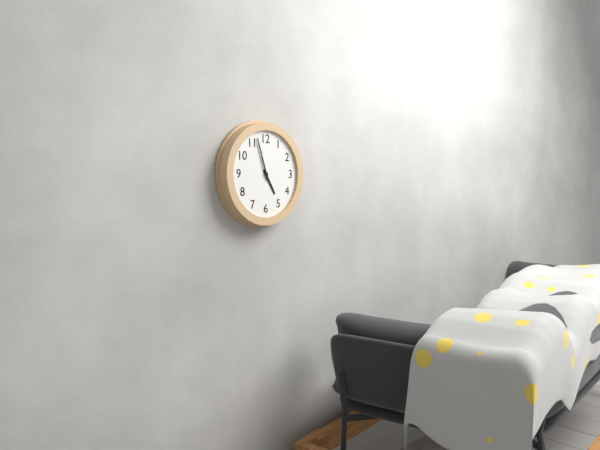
{"hour": 4, "minute": 57}
